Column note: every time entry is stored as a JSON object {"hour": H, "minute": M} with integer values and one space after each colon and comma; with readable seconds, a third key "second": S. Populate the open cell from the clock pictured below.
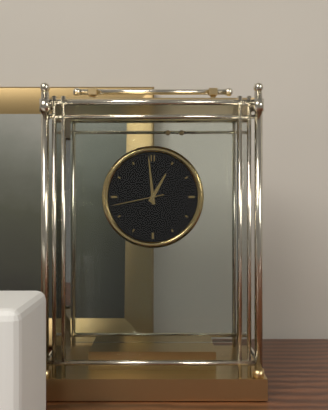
{"hour": 12, "minute": 59, "second": 43}
